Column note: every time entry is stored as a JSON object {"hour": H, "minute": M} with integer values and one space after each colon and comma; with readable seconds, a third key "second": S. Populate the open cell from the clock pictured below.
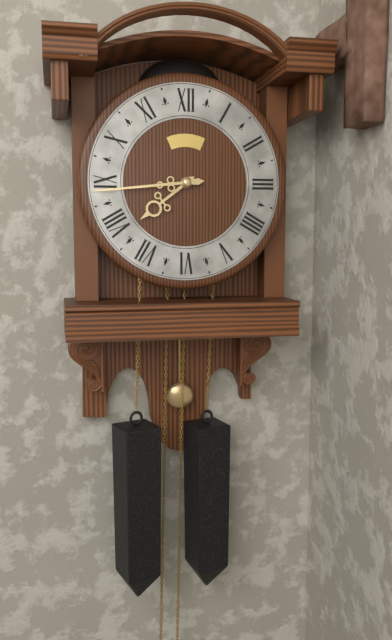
{"hour": 7, "minute": 44}
